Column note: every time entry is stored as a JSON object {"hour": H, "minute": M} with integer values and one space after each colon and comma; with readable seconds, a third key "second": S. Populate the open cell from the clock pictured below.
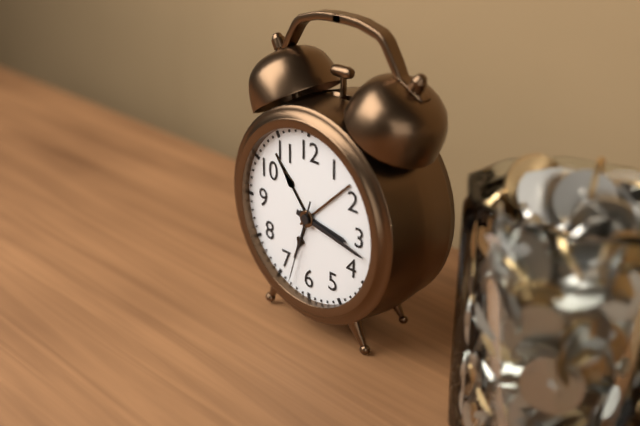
{"hour": 3, "minute": 17, "second": 33}
